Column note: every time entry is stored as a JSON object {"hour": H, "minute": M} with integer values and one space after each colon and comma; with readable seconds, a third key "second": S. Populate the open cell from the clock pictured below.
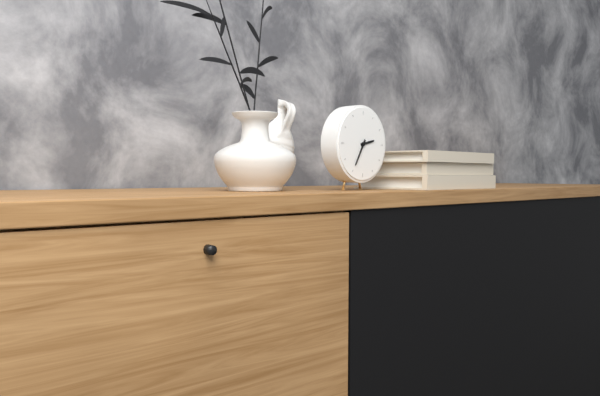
{"hour": 2, "minute": 35}
